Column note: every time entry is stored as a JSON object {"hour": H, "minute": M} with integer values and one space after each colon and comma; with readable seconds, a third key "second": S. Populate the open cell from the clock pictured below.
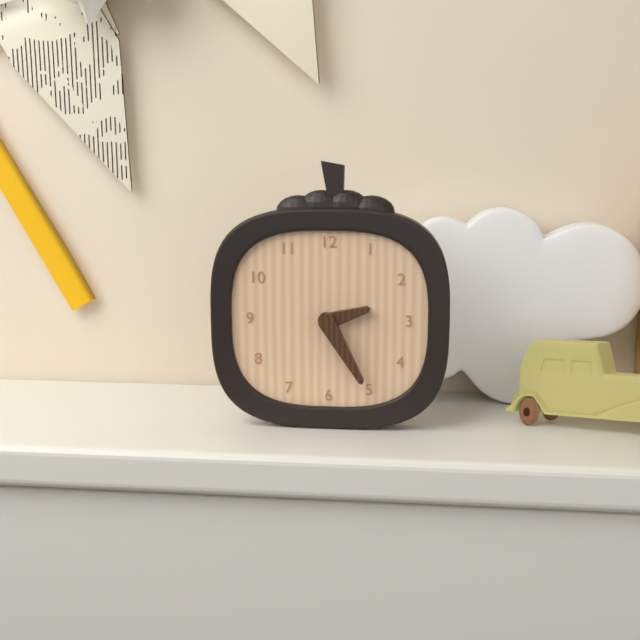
{"hour": 2, "minute": 25}
